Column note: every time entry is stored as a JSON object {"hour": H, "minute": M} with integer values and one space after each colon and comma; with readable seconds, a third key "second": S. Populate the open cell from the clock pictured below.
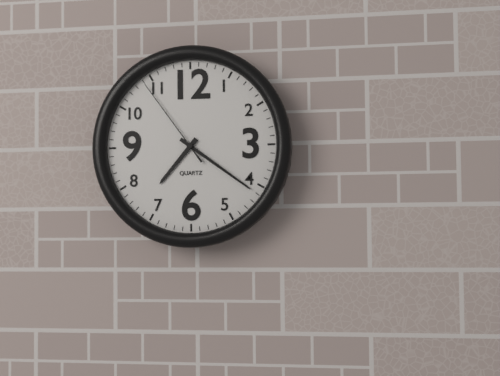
{"hour": 7, "minute": 21, "second": 54}
